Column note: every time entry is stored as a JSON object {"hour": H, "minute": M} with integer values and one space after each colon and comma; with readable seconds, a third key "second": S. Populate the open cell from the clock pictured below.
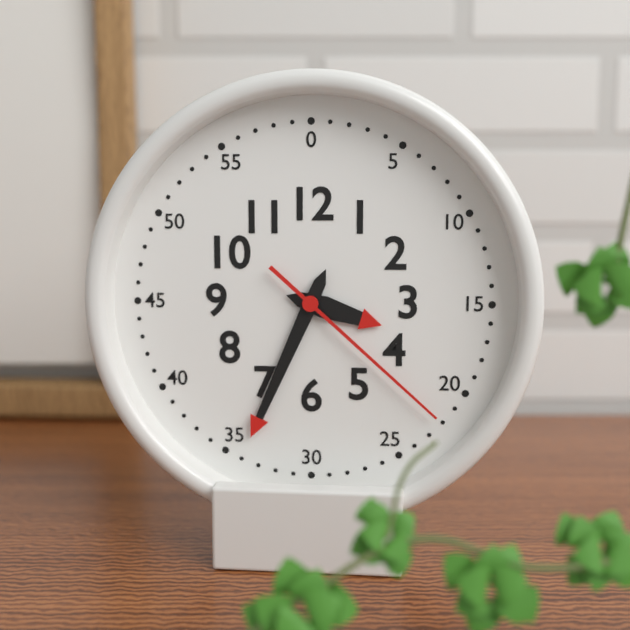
{"hour": 3, "minute": 34, "second": 22}
